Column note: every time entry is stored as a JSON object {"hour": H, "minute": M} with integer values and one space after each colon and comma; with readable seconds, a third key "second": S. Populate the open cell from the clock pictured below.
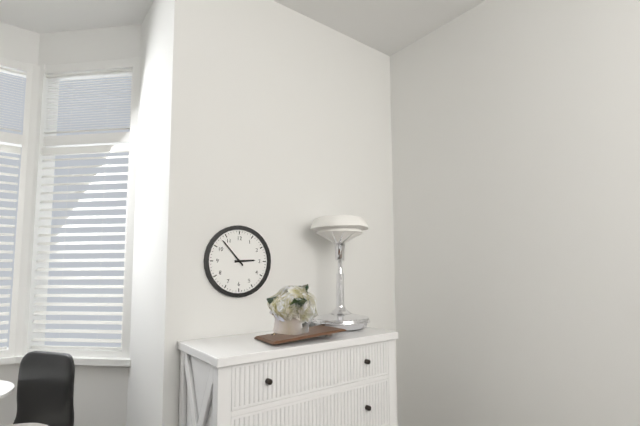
{"hour": 2, "minute": 53}
